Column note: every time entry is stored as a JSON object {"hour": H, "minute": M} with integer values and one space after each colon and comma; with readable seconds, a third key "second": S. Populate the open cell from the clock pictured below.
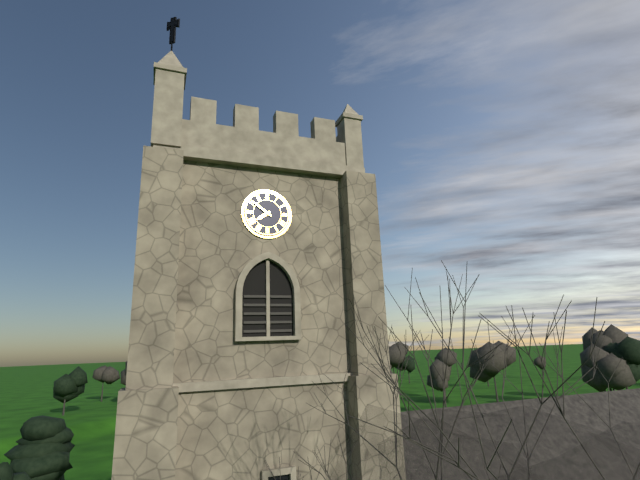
{"hour": 7, "minute": 51}
